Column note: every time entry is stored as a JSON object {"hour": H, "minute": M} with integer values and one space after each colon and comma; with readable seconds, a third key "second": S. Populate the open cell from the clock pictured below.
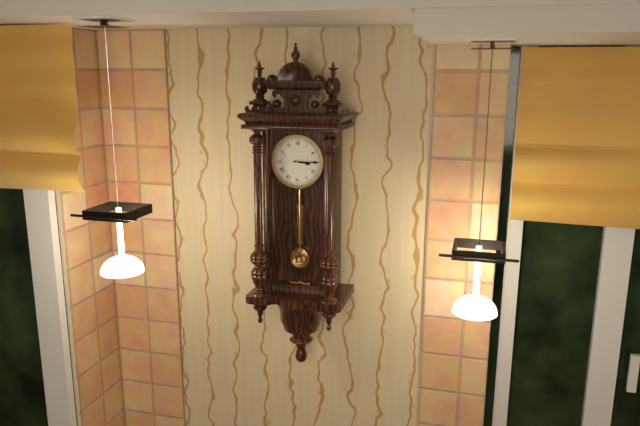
{"hour": 3, "minute": 15}
